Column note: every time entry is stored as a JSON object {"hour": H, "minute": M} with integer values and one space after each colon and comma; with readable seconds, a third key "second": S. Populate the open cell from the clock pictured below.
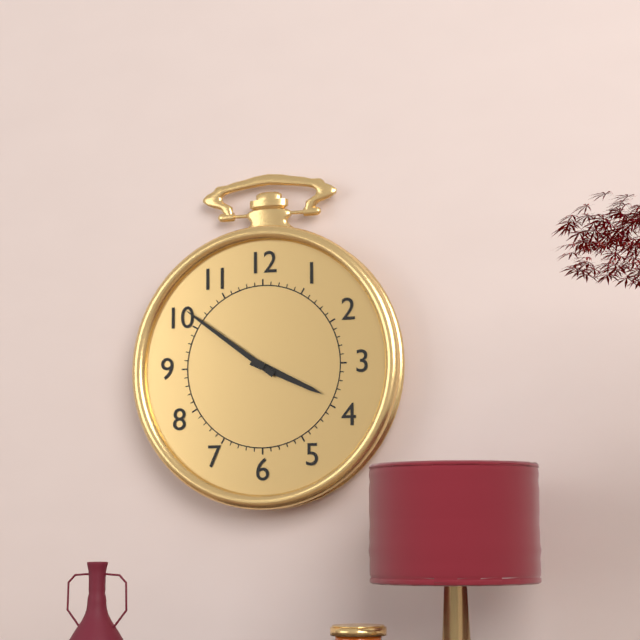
{"hour": 3, "minute": 51}
